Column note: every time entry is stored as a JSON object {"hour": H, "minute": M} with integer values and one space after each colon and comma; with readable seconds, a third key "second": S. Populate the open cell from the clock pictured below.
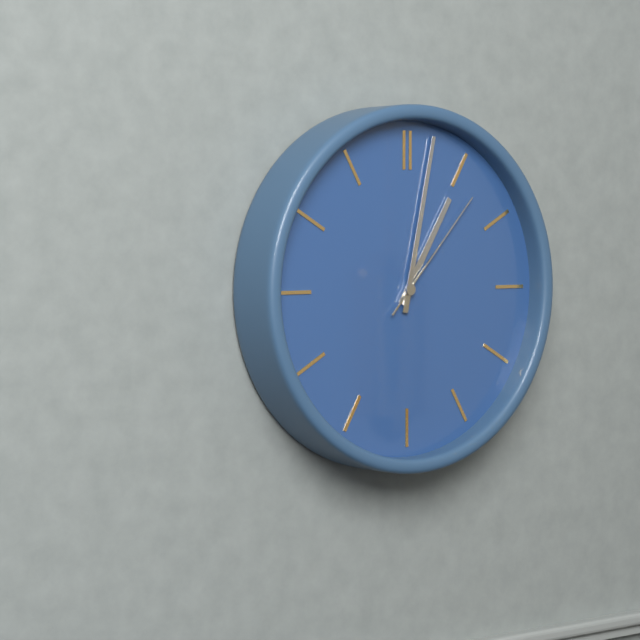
{"hour": 1, "minute": 2, "second": 7}
